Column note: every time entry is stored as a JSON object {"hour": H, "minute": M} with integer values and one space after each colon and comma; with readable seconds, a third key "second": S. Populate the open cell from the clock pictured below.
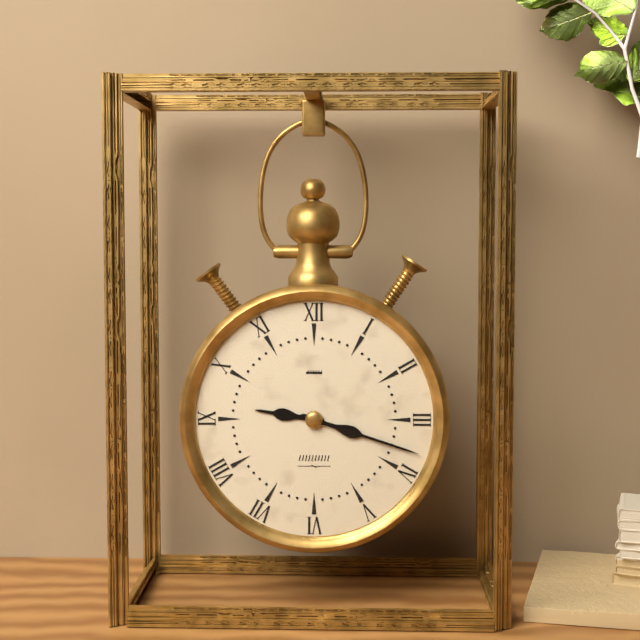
{"hour": 9, "minute": 18}
